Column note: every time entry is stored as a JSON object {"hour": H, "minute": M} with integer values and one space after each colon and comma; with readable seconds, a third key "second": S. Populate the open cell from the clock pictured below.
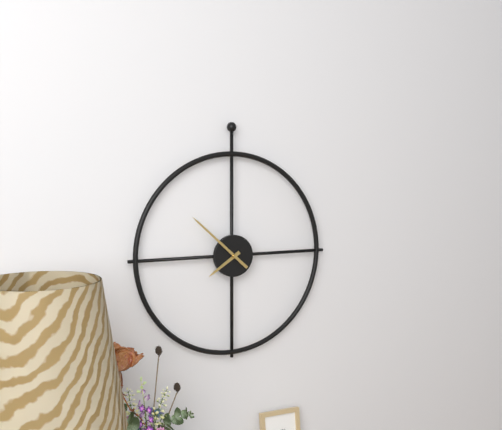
{"hour": 7, "minute": 52}
